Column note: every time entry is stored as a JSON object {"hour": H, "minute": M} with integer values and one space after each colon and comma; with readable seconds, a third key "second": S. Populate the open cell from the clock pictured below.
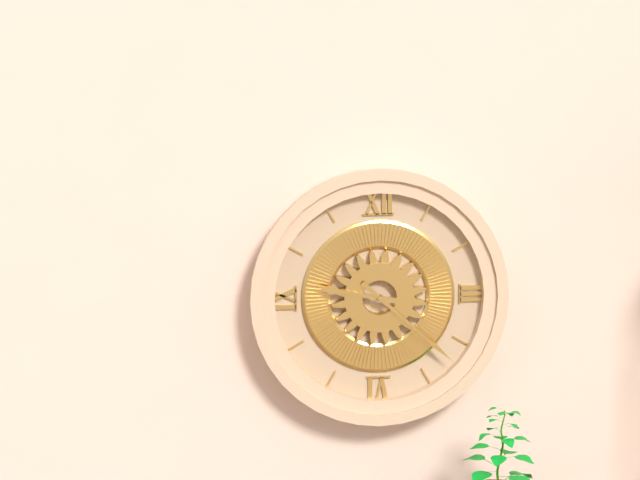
{"hour": 9, "minute": 22}
